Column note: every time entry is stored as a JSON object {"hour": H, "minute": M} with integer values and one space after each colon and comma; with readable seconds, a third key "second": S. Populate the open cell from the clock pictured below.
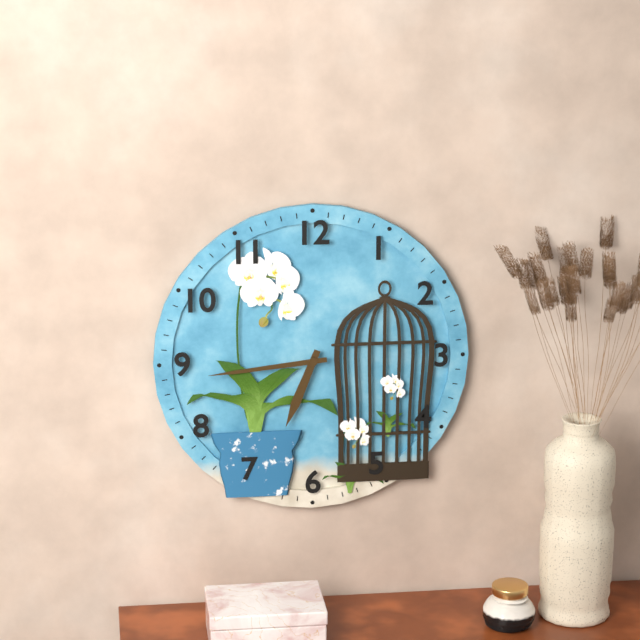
{"hour": 6, "minute": 44}
